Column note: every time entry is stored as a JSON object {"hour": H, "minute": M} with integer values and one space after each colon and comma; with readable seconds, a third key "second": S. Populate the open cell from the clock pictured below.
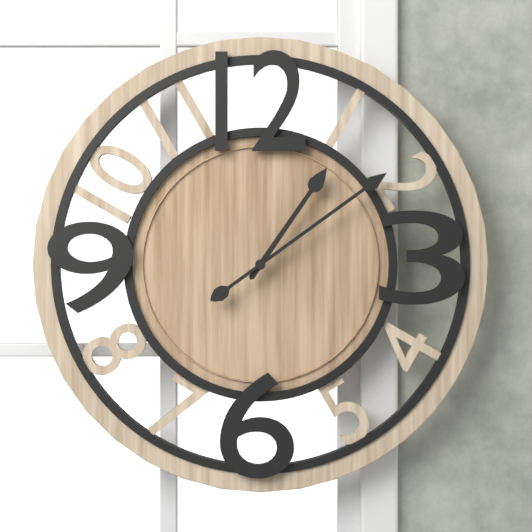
{"hour": 1, "minute": 9}
